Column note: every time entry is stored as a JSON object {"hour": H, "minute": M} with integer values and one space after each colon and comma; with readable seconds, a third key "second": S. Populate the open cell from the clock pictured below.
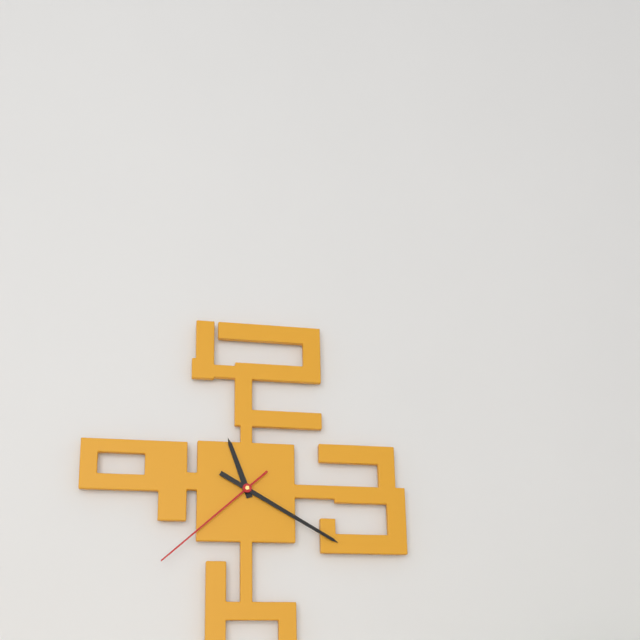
{"hour": 11, "minute": 20, "second": 38}
